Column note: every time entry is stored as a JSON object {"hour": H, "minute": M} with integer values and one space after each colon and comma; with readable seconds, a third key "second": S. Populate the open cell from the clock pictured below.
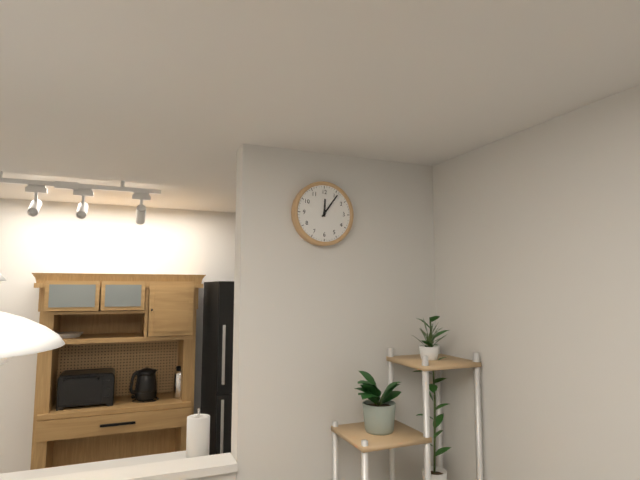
{"hour": 12, "minute": 6}
